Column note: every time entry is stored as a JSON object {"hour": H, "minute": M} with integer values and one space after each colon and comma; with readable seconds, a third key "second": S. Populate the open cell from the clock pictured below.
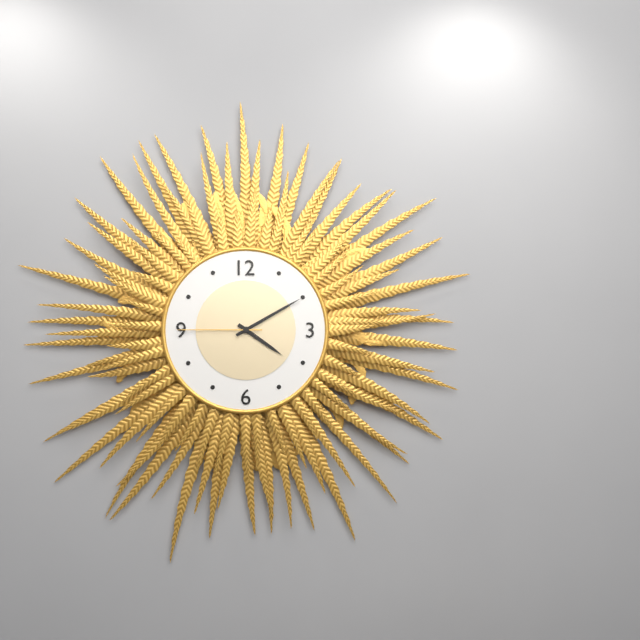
{"hour": 4, "minute": 10, "second": 45}
